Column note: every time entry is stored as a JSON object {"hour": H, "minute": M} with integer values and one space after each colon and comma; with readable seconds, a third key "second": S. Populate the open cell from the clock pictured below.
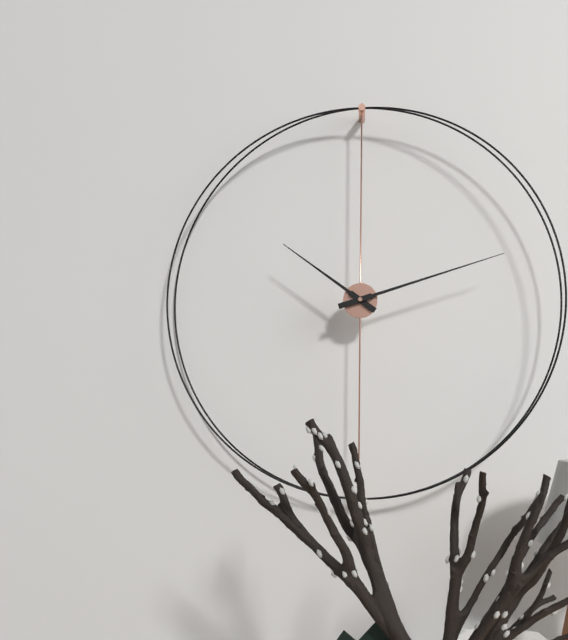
{"hour": 10, "minute": 12}
